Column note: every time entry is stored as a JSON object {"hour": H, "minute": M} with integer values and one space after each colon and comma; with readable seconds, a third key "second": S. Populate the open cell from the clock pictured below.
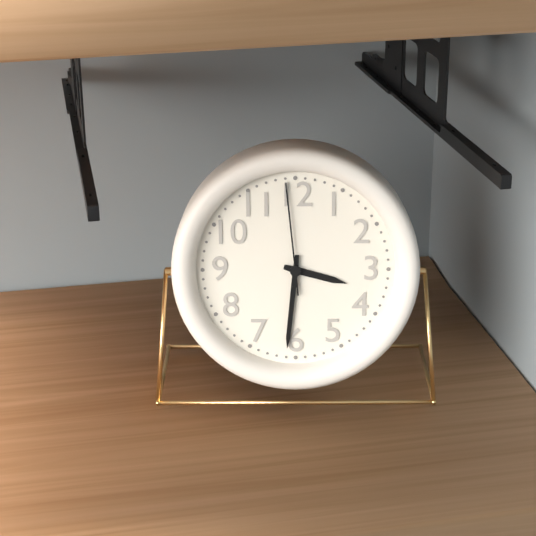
{"hour": 3, "minute": 31, "second": 59}
